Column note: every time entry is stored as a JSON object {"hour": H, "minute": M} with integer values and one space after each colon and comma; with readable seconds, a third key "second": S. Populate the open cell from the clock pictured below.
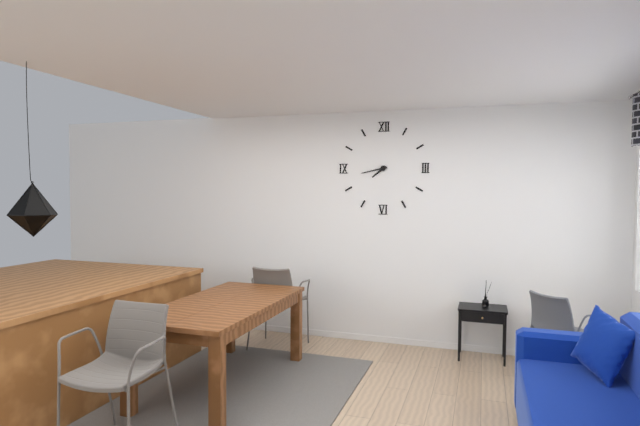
{"hour": 7, "minute": 43}
